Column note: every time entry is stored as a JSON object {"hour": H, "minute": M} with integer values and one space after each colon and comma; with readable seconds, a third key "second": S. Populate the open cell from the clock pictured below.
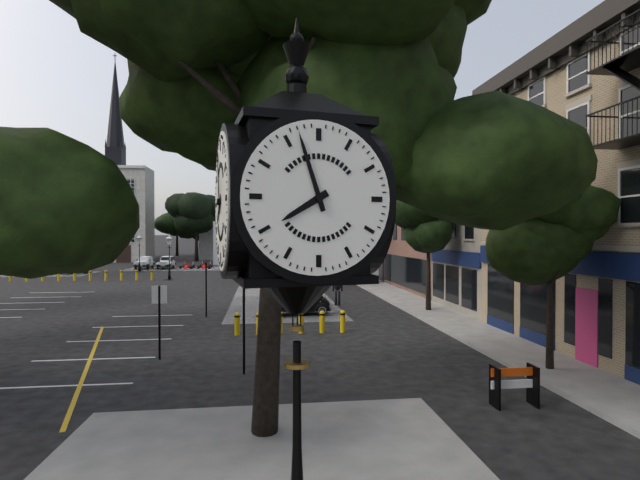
{"hour": 7, "minute": 57}
